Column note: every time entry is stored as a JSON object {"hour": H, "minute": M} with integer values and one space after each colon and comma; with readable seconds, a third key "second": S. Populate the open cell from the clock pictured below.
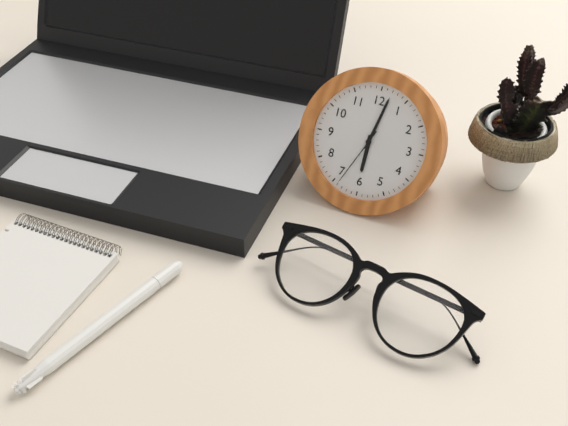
{"hour": 6, "minute": 2, "second": 34}
